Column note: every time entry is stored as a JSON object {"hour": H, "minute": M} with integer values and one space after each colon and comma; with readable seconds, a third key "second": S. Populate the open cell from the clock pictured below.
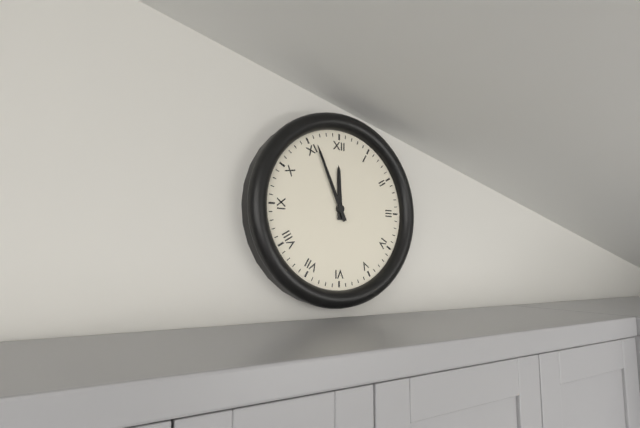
{"hour": 11, "minute": 56}
